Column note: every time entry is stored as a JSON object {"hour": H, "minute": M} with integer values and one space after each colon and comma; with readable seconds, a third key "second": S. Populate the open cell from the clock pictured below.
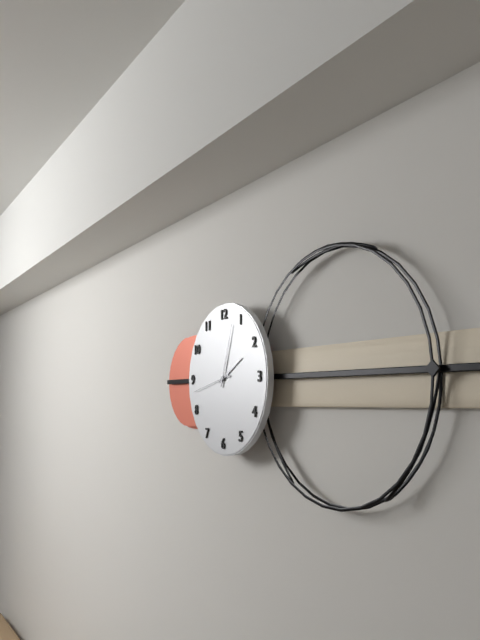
{"hour": 2, "minute": 3}
